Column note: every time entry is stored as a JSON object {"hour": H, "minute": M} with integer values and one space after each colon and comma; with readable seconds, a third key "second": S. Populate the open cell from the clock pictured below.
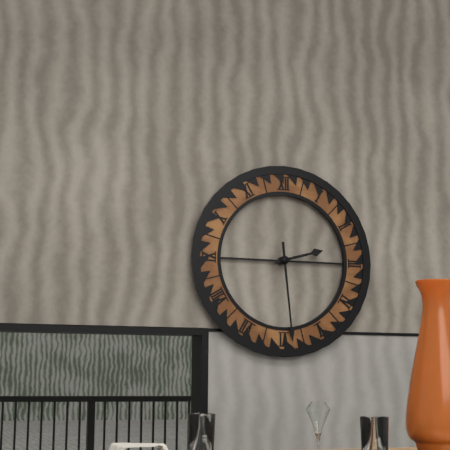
{"hour": 2, "minute": 29}
